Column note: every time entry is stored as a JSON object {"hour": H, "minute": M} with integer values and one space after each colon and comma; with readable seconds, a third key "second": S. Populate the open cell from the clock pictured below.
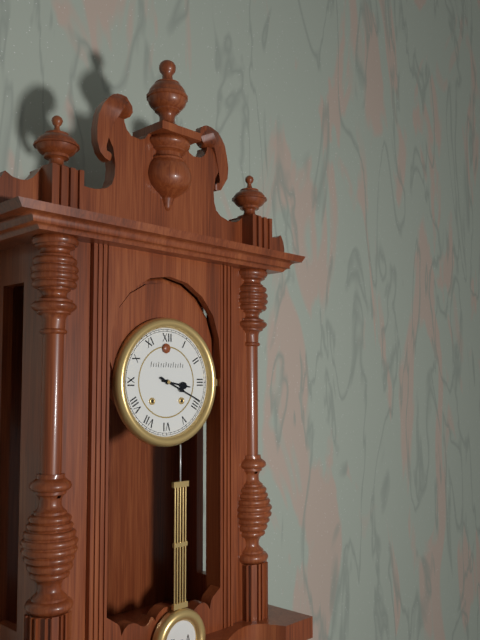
{"hour": 3, "minute": 19}
